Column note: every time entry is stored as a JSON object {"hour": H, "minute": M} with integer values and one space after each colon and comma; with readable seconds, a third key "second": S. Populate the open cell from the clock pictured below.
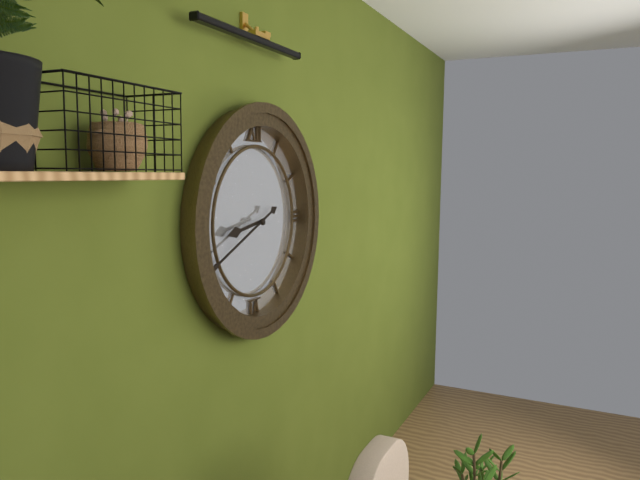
{"hour": 8, "minute": 41}
